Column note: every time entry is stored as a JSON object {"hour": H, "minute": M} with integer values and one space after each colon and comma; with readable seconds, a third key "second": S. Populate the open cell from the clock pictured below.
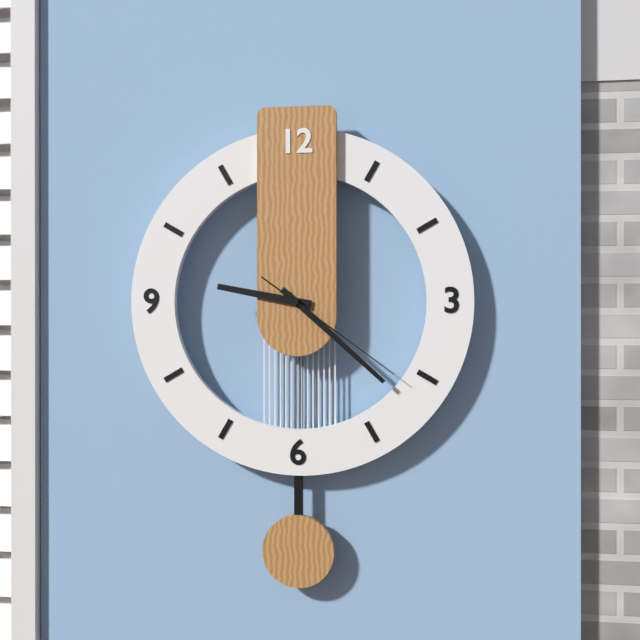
{"hour": 9, "minute": 22, "second": 21}
